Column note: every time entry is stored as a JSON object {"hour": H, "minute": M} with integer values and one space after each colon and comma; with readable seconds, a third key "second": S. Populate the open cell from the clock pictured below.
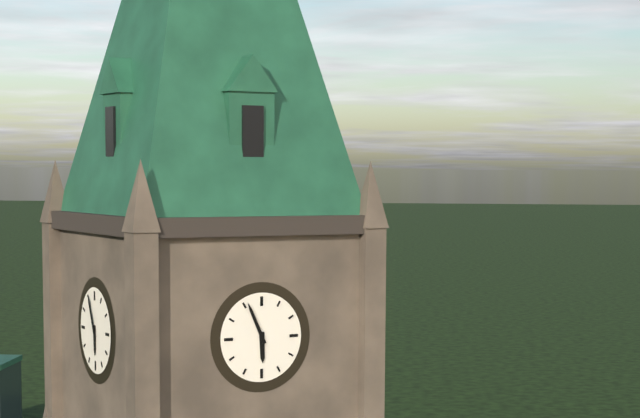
{"hour": 5, "minute": 56}
